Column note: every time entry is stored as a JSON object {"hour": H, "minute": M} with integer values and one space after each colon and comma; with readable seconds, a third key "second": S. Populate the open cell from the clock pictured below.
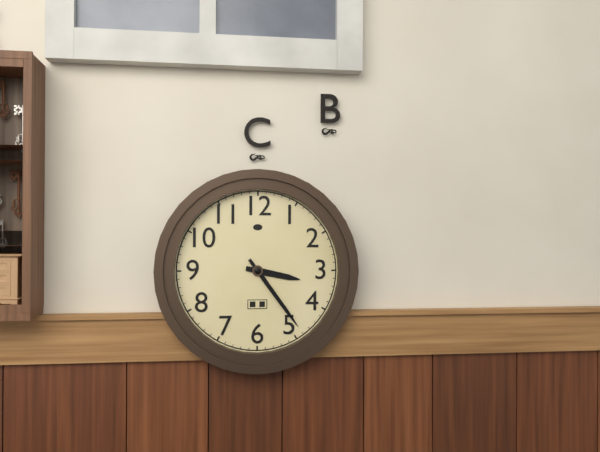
{"hour": 3, "minute": 24}
